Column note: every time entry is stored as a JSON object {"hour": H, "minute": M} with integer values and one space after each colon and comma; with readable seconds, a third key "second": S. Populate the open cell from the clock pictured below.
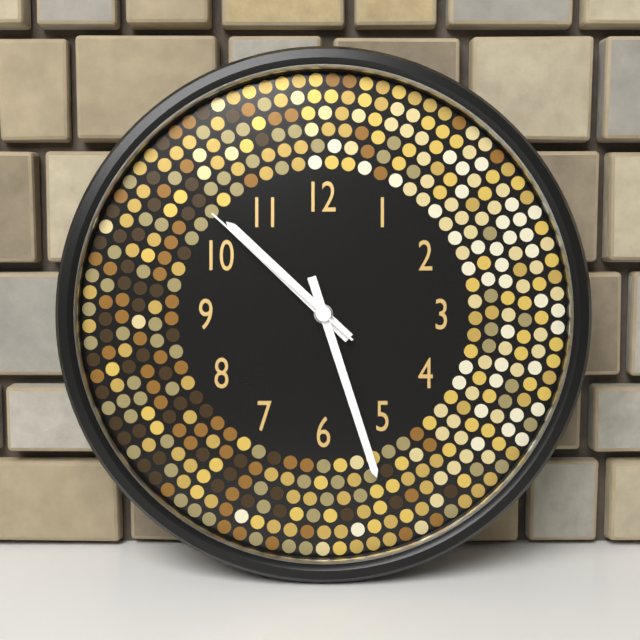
{"hour": 10, "minute": 27, "second": 52}
